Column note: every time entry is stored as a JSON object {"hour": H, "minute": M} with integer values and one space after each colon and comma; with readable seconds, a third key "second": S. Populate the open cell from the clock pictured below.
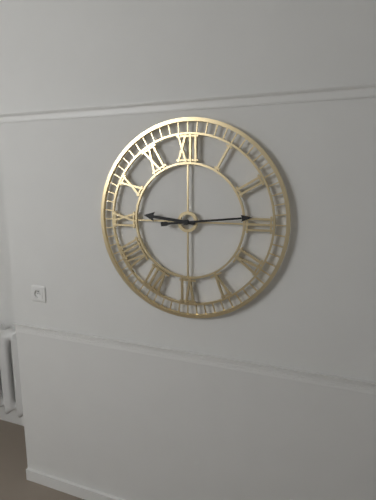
{"hour": 9, "minute": 14}
